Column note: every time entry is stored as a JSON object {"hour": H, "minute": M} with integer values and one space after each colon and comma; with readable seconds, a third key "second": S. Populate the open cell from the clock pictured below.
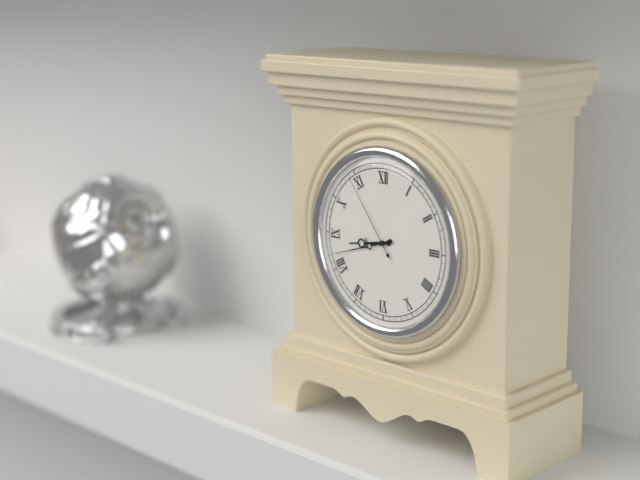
{"hour": 8, "minute": 42, "second": 54}
